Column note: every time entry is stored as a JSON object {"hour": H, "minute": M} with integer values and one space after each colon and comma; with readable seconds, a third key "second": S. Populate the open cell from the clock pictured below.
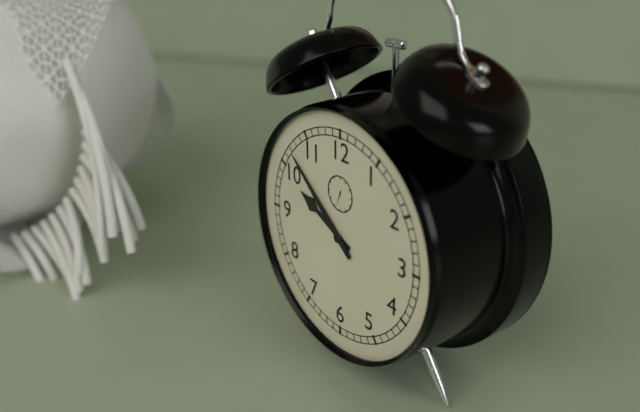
{"hour": 9, "minute": 52}
